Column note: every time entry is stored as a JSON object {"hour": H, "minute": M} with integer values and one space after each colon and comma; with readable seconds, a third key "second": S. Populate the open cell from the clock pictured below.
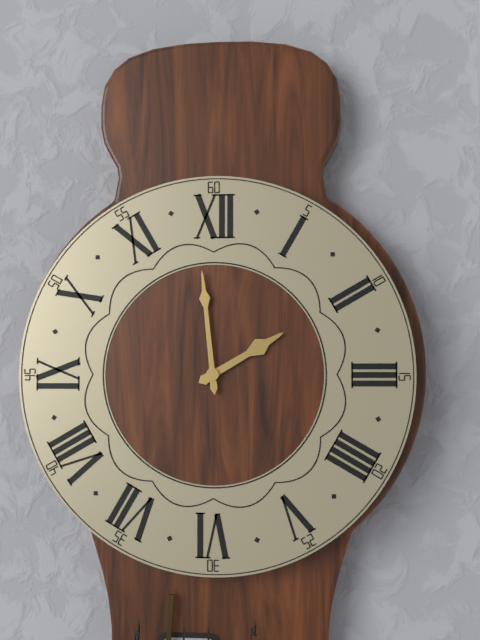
{"hour": 1, "minute": 59}
